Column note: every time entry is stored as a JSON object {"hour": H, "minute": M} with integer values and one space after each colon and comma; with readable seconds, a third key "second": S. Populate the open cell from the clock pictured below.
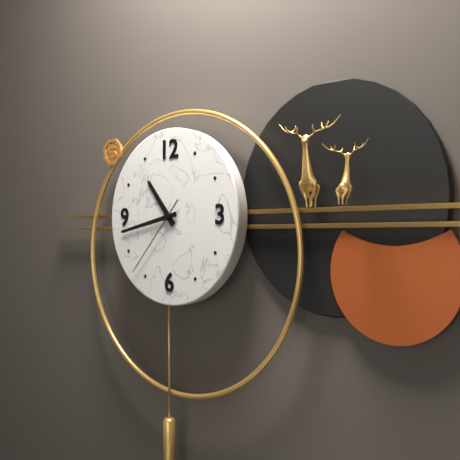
{"hour": 10, "minute": 43, "second": 37}
